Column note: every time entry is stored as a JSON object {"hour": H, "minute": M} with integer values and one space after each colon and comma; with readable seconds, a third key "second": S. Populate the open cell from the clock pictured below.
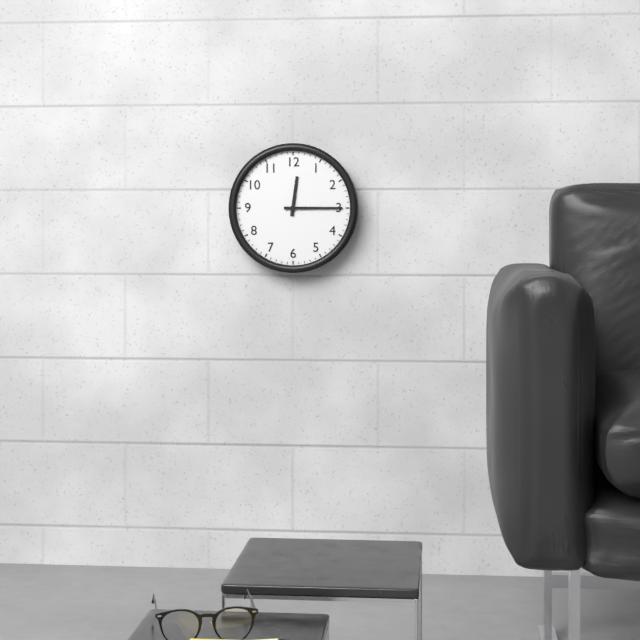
{"hour": 12, "minute": 15}
